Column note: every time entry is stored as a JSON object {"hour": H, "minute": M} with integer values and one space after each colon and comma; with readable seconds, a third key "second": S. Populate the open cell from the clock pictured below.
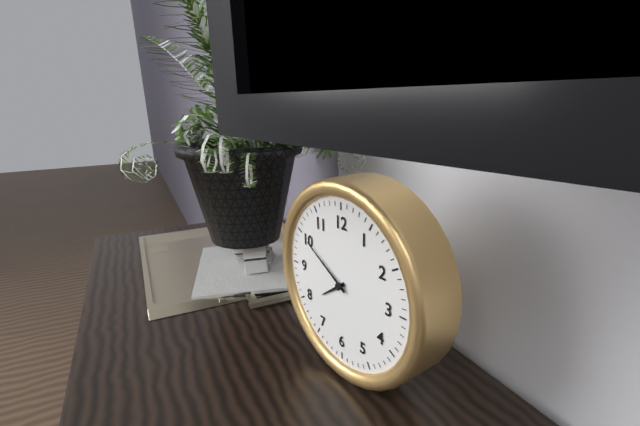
{"hour": 7, "minute": 50}
